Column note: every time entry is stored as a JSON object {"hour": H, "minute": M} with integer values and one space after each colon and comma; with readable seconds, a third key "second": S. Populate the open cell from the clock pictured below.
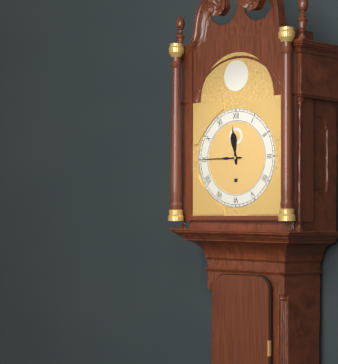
{"hour": 11, "minute": 45}
